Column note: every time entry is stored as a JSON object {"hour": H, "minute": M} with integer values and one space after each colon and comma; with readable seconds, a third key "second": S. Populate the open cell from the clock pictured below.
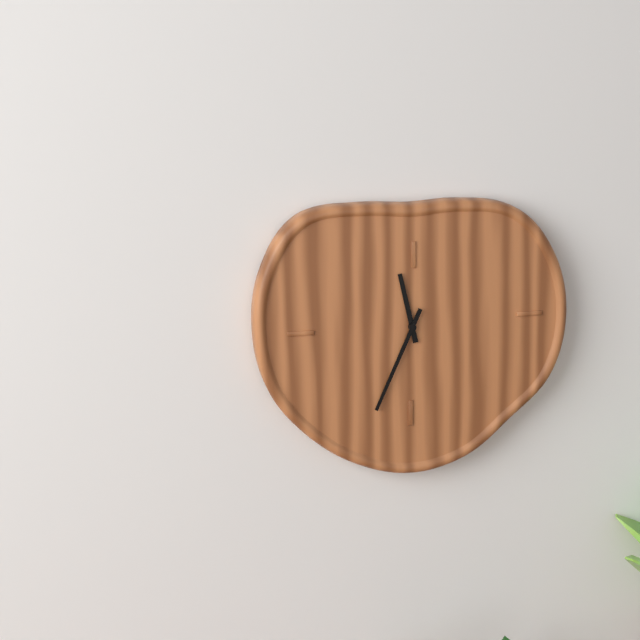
{"hour": 11, "minute": 34}
